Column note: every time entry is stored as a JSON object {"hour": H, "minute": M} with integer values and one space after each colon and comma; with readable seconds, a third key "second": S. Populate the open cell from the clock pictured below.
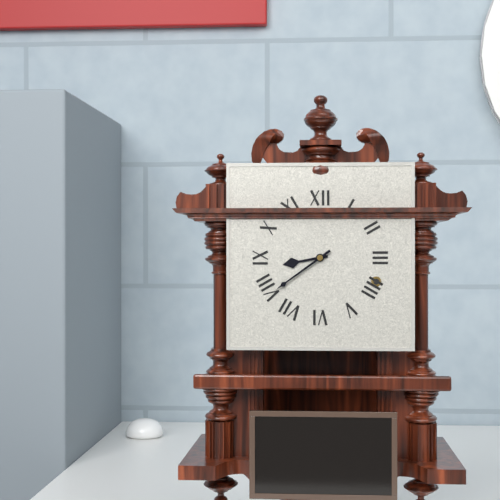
{"hour": 8, "minute": 39}
